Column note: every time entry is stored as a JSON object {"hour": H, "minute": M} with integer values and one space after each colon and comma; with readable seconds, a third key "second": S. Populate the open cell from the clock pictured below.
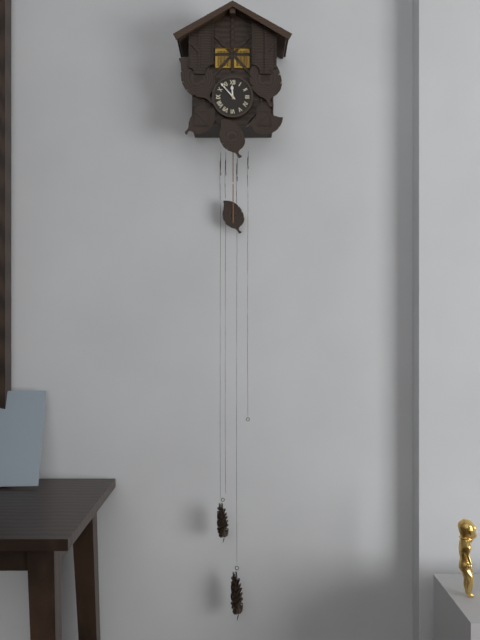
{"hour": 11, "minute": 53}
